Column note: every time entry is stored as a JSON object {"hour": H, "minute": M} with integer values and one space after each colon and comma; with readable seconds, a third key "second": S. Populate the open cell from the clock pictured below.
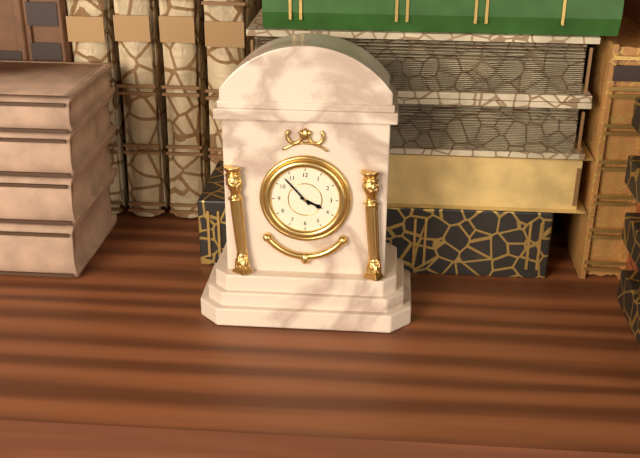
{"hour": 3, "minute": 53}
